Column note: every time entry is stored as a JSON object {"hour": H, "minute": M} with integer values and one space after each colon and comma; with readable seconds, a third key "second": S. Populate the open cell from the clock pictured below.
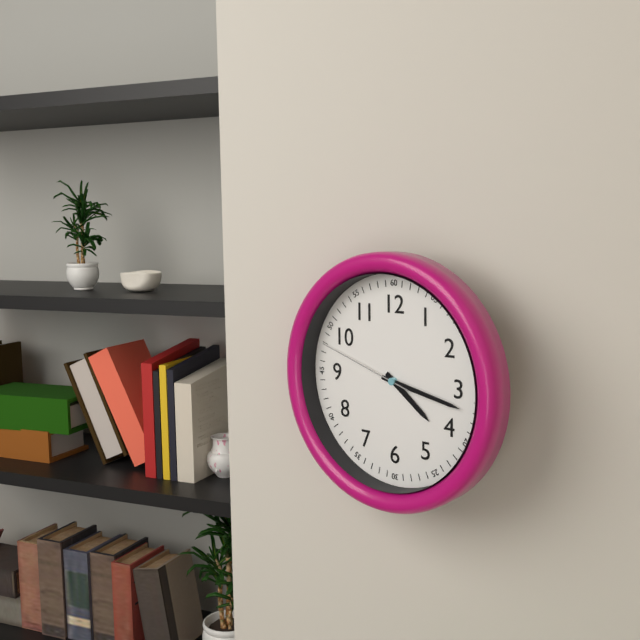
{"hour": 4, "minute": 17, "second": 48}
